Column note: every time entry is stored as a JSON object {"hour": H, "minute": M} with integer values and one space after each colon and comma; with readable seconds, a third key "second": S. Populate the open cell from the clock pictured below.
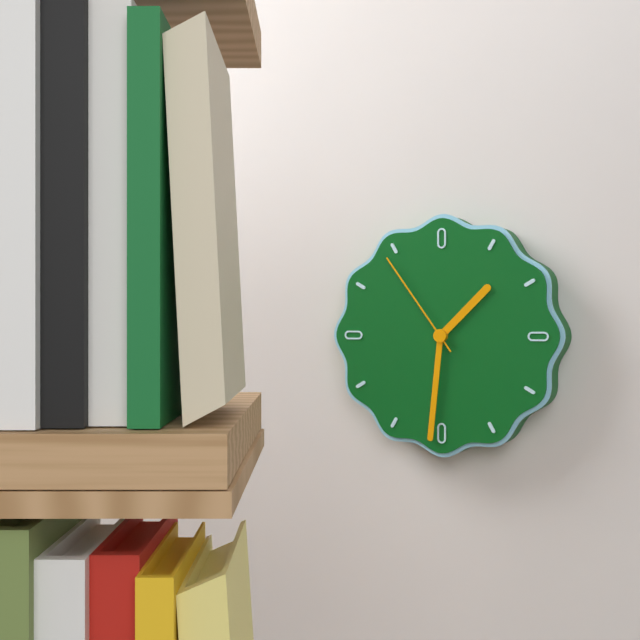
{"hour": 1, "minute": 31, "second": 54}
